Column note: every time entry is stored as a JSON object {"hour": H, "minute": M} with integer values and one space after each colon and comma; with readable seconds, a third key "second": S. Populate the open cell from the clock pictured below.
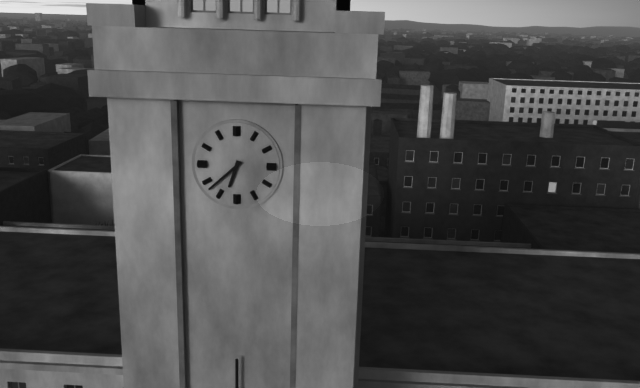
{"hour": 6, "minute": 38}
